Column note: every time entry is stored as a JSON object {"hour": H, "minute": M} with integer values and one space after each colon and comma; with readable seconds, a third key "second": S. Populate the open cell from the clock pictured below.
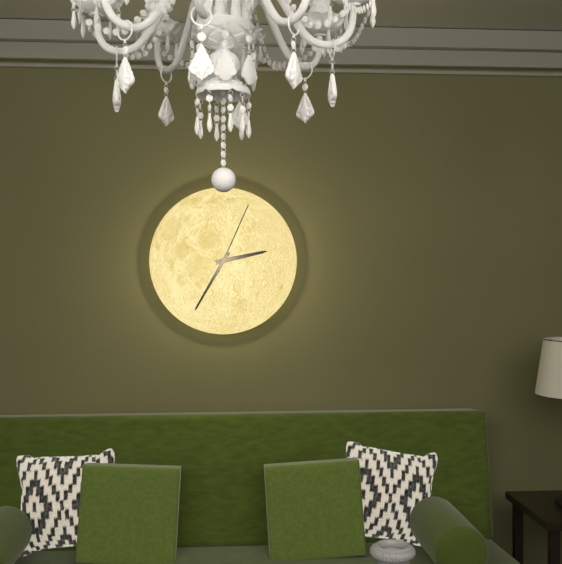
{"hour": 2, "minute": 35, "second": 4}
